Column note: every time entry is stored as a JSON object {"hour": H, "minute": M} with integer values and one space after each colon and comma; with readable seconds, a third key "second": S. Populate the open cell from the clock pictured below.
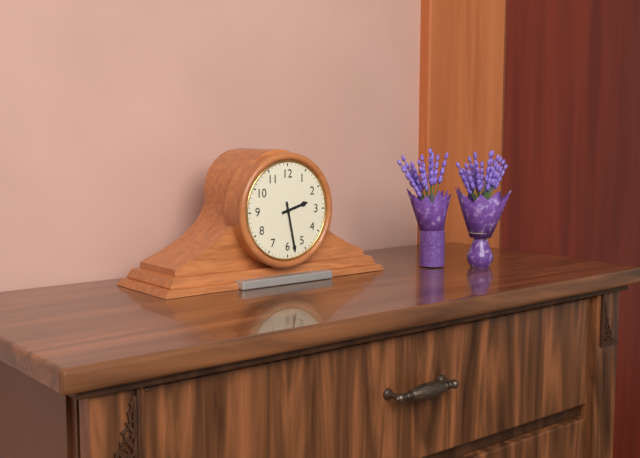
{"hour": 2, "minute": 28}
